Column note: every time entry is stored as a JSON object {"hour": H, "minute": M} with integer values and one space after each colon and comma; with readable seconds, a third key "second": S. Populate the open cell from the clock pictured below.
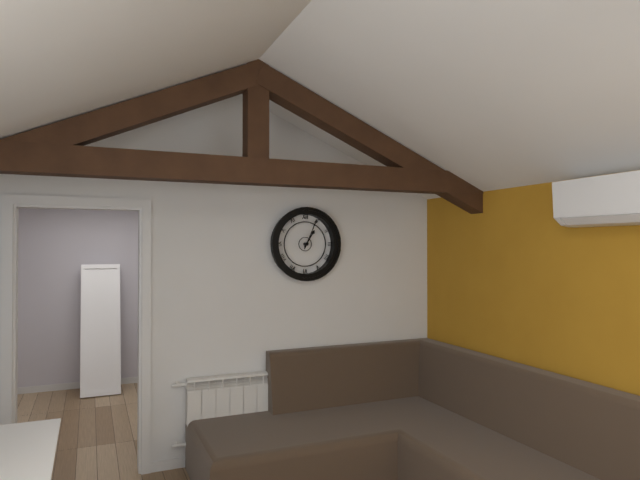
{"hour": 1, "minute": 4}
